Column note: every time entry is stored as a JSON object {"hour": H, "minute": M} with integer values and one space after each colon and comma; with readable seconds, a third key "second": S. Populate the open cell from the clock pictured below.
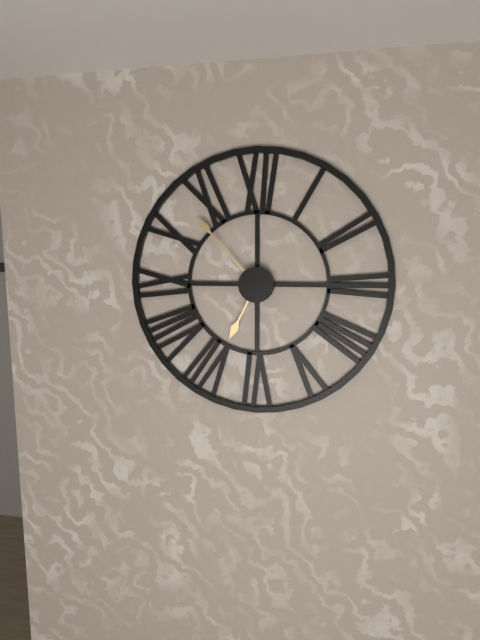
{"hour": 6, "minute": 53}
